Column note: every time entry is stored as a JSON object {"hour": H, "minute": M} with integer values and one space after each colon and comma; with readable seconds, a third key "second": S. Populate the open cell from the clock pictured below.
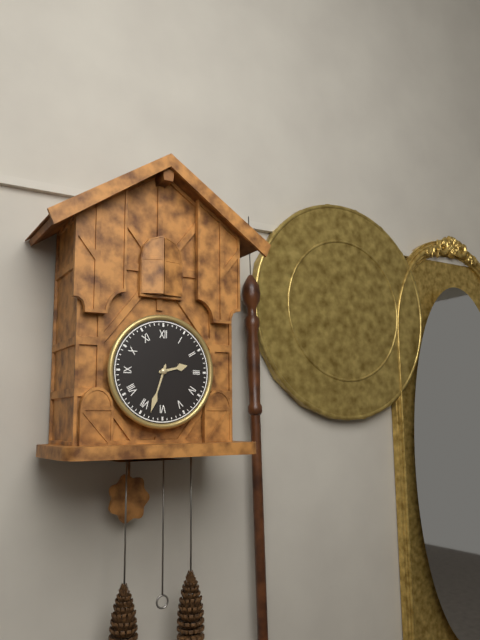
{"hour": 2, "minute": 33}
